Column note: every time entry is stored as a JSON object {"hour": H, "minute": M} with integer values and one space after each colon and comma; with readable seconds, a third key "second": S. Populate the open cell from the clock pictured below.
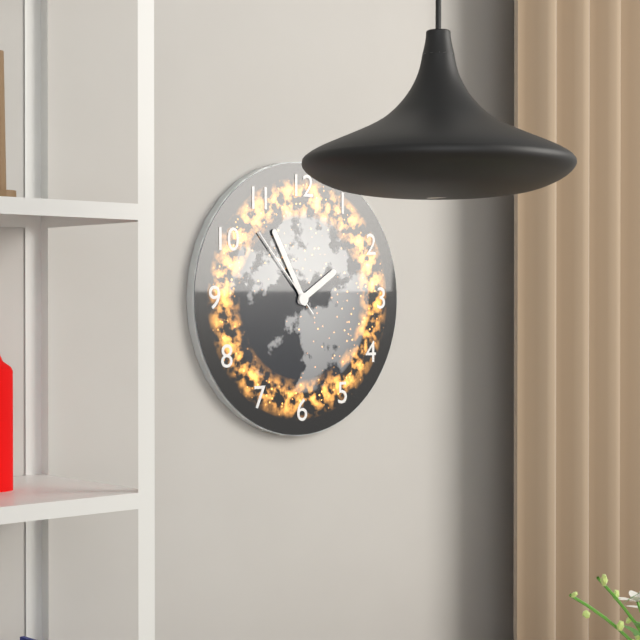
{"hour": 1, "minute": 55, "second": 53}
